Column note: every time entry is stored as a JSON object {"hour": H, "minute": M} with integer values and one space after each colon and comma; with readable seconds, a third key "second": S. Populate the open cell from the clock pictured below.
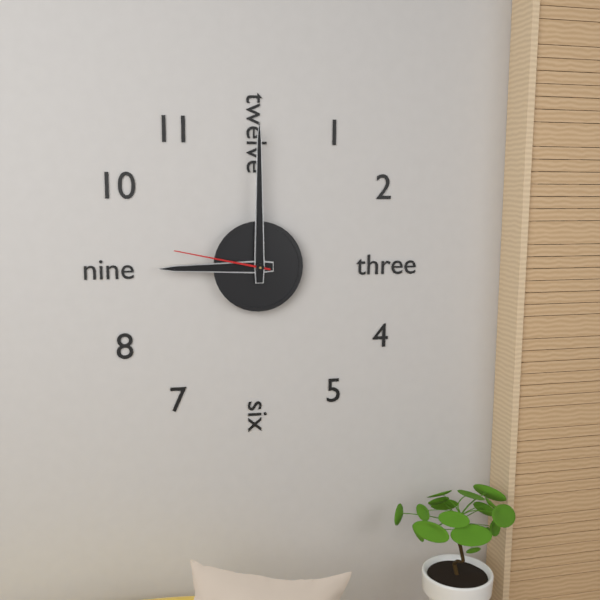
{"hour": 9, "minute": 0, "second": 47}
